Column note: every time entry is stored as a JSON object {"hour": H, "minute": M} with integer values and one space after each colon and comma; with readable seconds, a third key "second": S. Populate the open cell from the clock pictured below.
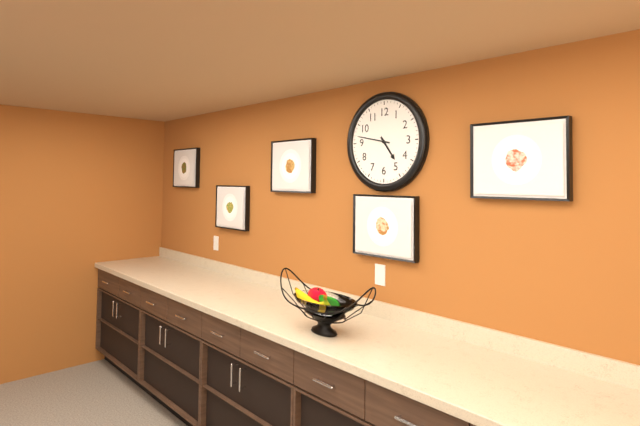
{"hour": 4, "minute": 47}
